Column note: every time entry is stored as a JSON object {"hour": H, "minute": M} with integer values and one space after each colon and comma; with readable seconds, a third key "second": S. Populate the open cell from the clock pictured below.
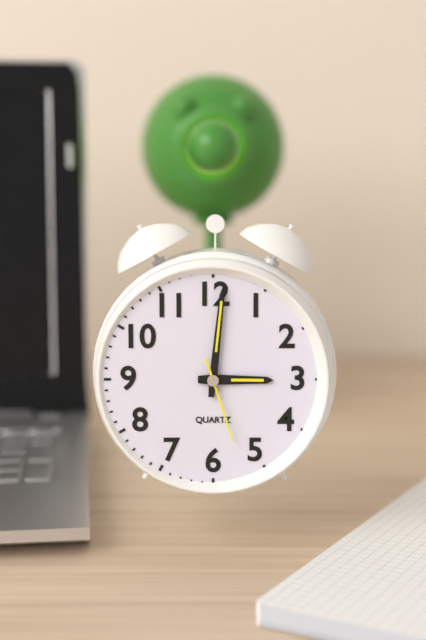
{"hour": 3, "minute": 1, "second": 27}
